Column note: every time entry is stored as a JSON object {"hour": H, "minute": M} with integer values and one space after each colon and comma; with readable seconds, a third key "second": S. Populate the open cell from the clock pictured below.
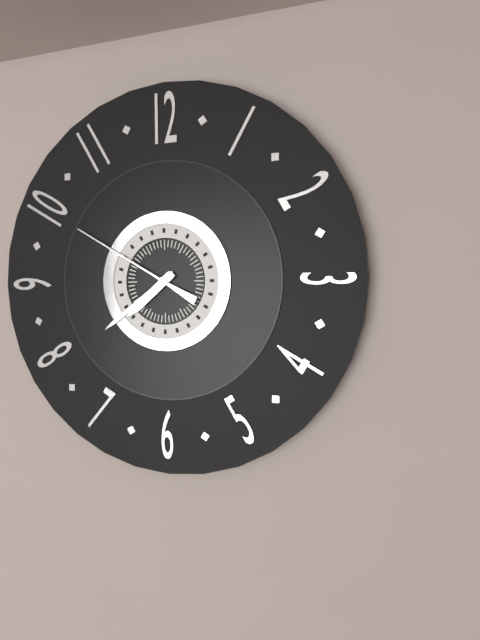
{"hour": 7, "minute": 39, "second": 50}
